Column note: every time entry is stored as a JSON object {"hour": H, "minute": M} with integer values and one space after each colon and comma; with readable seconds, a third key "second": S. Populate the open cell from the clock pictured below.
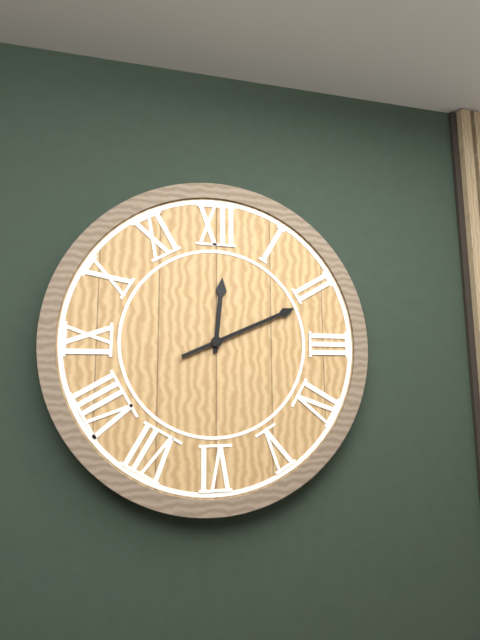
{"hour": 12, "minute": 11}
